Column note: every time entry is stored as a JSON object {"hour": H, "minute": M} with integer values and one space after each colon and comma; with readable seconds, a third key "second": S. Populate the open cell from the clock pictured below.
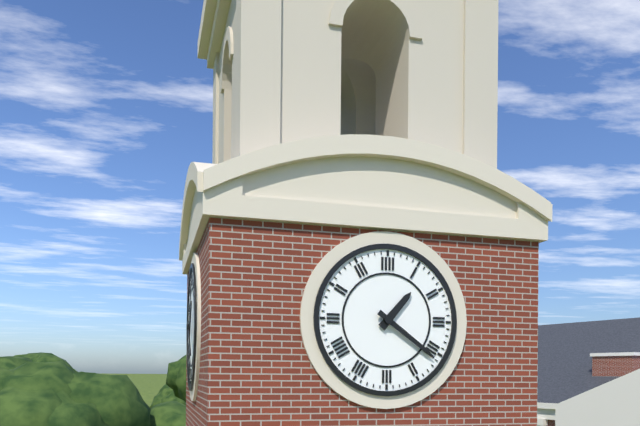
{"hour": 1, "minute": 21}
